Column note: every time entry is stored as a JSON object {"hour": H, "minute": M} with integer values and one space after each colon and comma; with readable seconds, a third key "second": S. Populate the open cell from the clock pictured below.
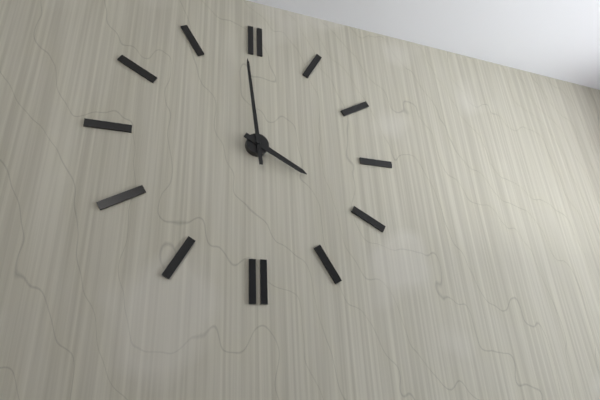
{"hour": 3, "minute": 59}
